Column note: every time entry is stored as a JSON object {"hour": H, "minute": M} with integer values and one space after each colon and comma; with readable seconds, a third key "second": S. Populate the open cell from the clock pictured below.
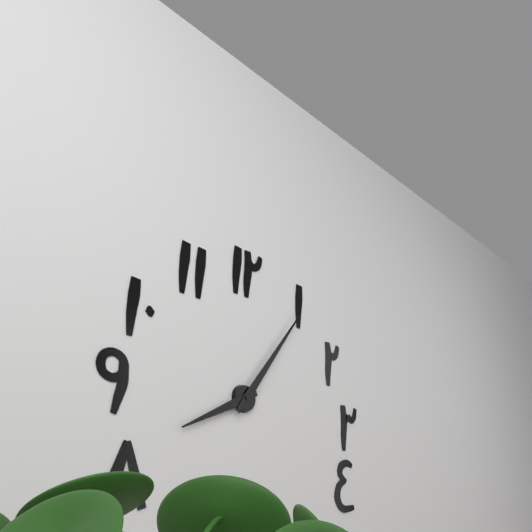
{"hour": 8, "minute": 6}
